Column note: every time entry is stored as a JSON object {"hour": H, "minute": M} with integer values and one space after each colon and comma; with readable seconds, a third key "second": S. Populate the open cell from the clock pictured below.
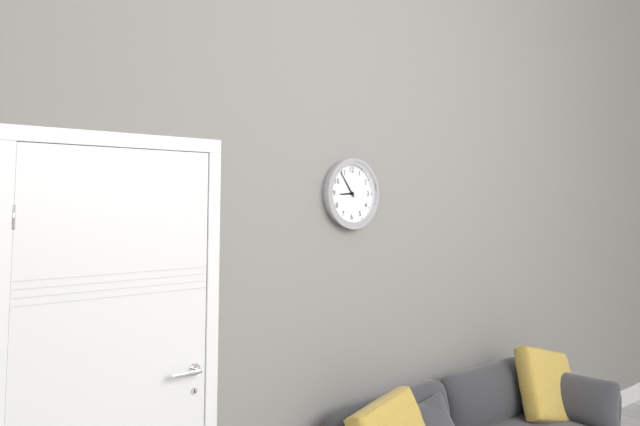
{"hour": 8, "minute": 54}
